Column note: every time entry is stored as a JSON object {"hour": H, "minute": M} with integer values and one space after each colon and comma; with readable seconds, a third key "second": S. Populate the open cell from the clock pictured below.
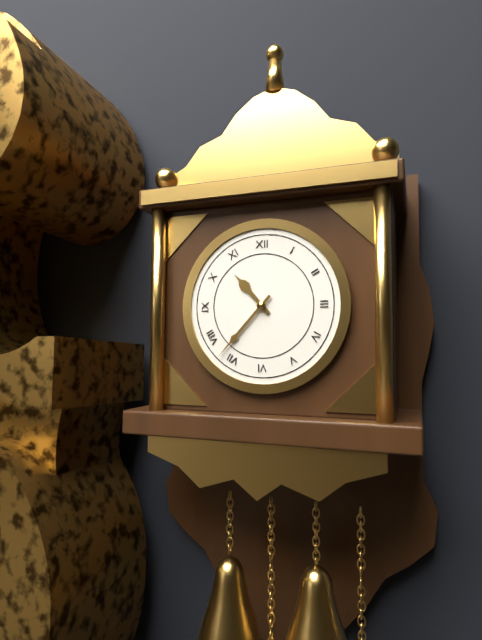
{"hour": 10, "minute": 37}
